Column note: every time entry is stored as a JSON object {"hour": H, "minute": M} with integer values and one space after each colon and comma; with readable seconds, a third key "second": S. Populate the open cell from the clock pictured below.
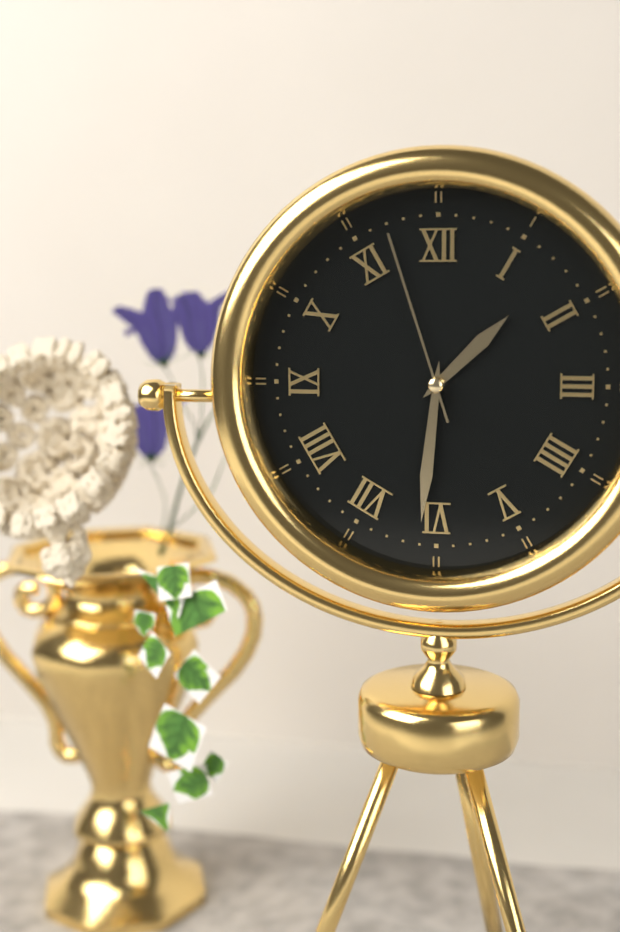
{"hour": 1, "minute": 31, "second": 57}
